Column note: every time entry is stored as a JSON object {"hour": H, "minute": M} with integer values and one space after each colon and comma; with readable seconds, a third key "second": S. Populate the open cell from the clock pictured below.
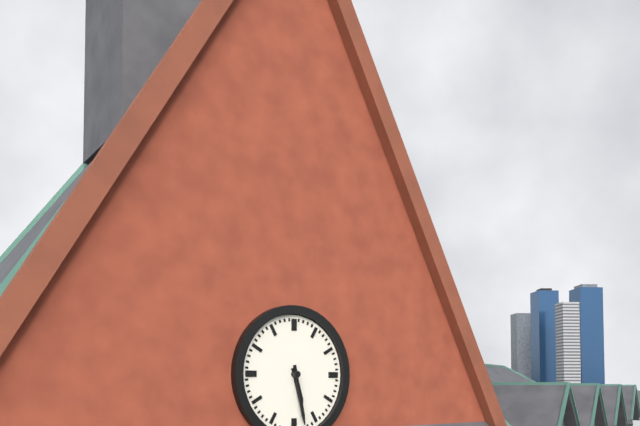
{"hour": 5, "minute": 28}
